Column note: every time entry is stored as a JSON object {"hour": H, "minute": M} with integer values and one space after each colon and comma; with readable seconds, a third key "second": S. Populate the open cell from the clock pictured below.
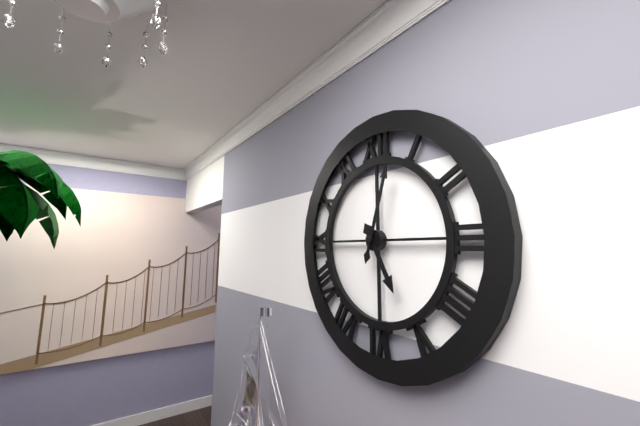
{"hour": 5, "minute": 3}
